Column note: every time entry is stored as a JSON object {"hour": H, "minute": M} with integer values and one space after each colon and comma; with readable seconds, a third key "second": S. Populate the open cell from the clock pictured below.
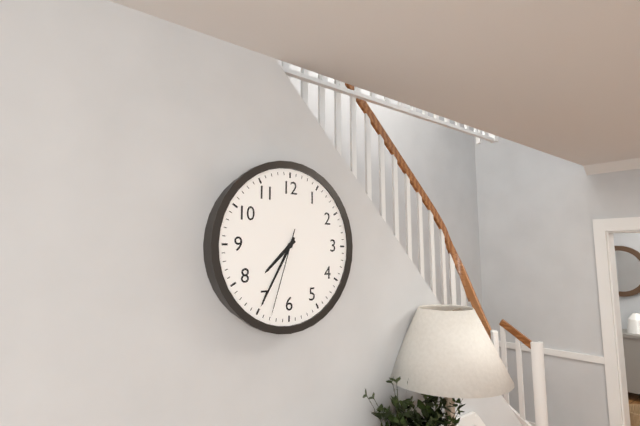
{"hour": 7, "minute": 35, "second": 33}
